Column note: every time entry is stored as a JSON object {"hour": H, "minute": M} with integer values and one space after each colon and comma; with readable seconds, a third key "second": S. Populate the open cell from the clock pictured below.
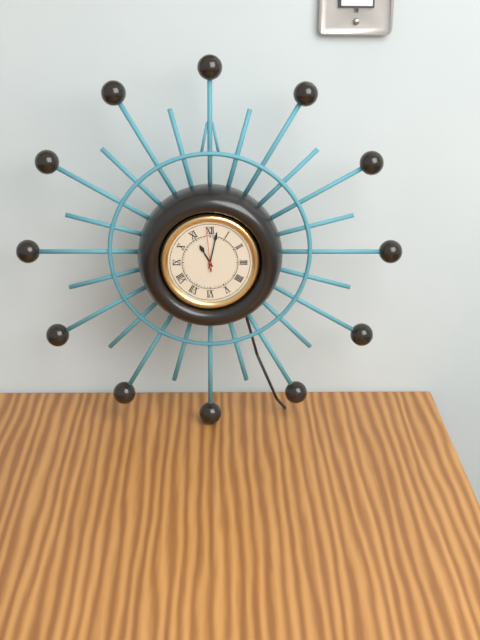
{"hour": 11, "minute": 2}
